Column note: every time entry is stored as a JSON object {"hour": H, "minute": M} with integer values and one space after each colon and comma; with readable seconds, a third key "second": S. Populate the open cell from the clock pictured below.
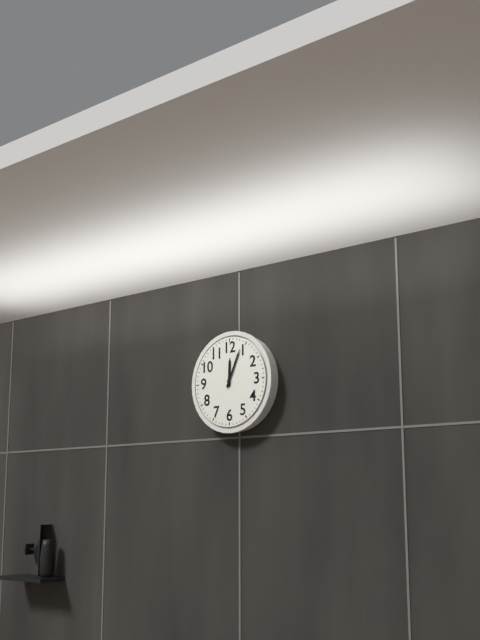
{"hour": 12, "minute": 4}
